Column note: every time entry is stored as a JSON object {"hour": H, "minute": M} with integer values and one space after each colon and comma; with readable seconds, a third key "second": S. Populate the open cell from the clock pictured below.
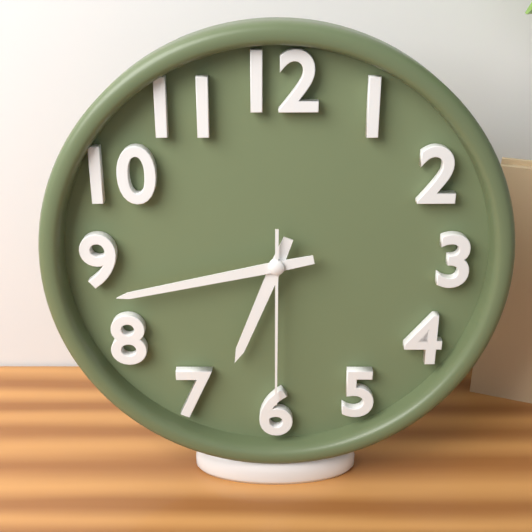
{"hour": 6, "minute": 43, "second": 30}
